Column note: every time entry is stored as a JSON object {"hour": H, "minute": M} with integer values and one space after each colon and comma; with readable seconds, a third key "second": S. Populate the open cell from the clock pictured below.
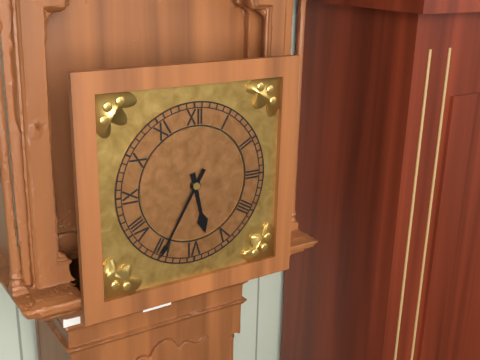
{"hour": 5, "minute": 35}
